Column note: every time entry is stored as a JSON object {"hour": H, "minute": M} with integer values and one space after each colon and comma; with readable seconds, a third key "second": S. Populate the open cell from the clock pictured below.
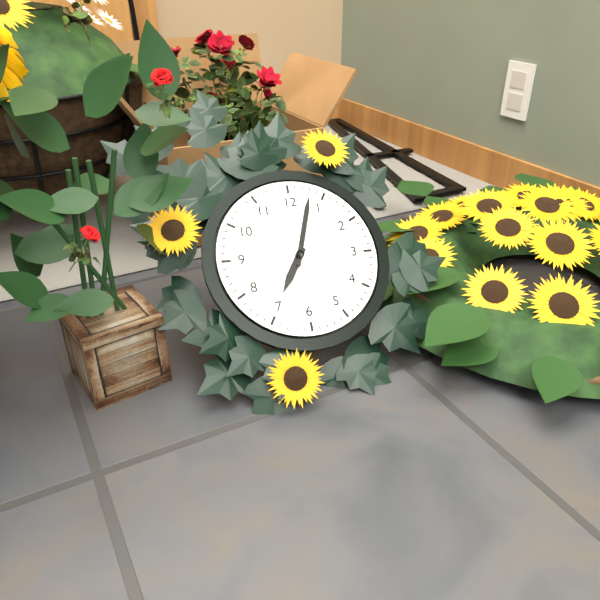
{"hour": 7, "minute": 3}
